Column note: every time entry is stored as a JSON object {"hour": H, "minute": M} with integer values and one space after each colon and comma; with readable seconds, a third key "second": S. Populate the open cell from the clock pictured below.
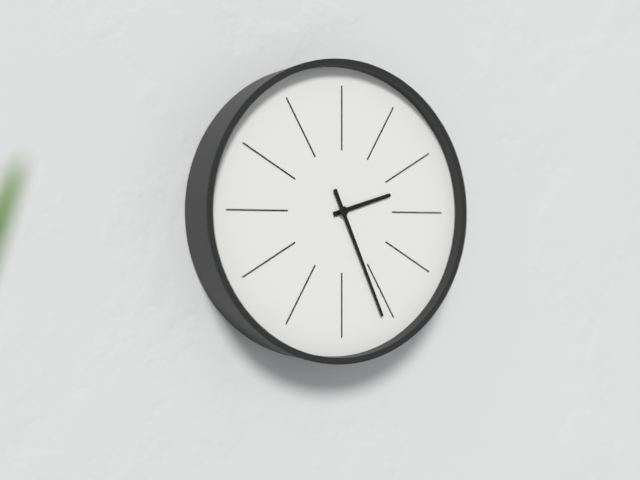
{"hour": 2, "minute": 26}
